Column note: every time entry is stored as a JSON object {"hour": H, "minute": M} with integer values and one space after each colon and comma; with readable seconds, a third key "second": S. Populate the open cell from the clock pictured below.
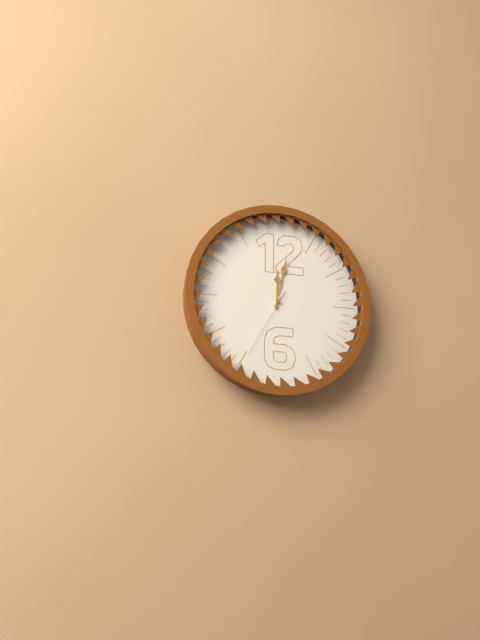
{"hour": 12, "minute": 2, "second": 35}
